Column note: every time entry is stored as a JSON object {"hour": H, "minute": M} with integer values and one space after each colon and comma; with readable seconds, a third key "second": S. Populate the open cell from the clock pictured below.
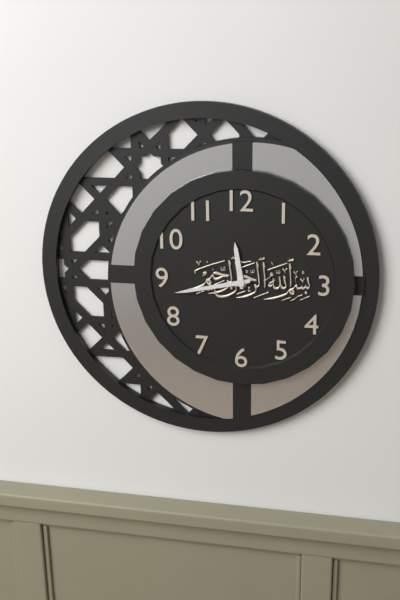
{"hour": 11, "minute": 43}
